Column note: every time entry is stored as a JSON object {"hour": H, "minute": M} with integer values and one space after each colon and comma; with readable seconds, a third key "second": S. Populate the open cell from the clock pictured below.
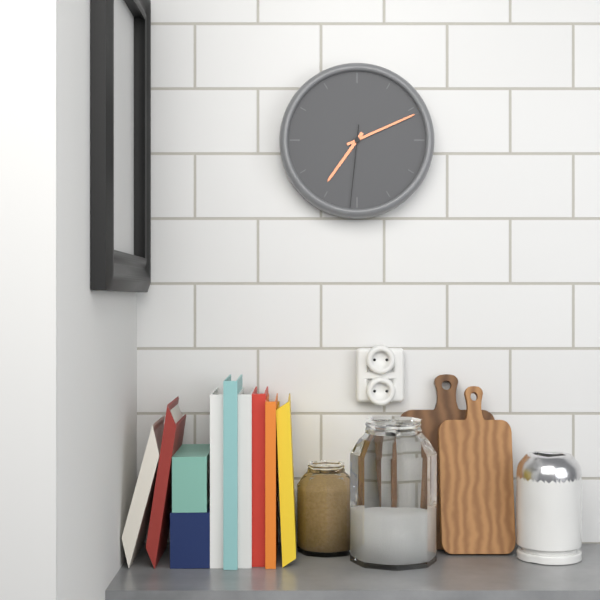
{"hour": 7, "minute": 11, "second": 31}
